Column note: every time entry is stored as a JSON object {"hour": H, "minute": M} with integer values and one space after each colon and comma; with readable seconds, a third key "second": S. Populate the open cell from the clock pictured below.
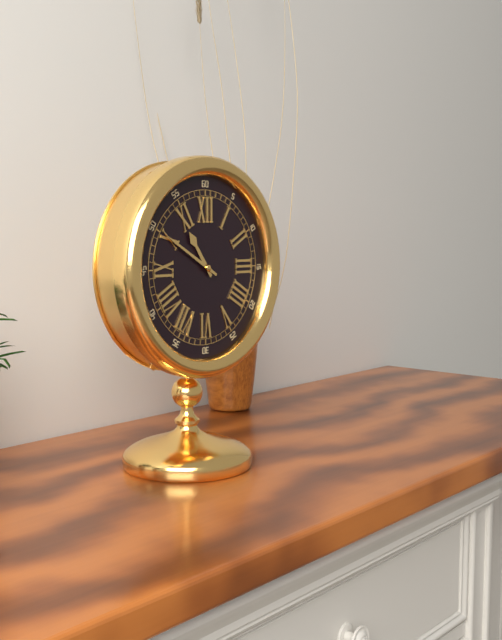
{"hour": 10, "minute": 50}
